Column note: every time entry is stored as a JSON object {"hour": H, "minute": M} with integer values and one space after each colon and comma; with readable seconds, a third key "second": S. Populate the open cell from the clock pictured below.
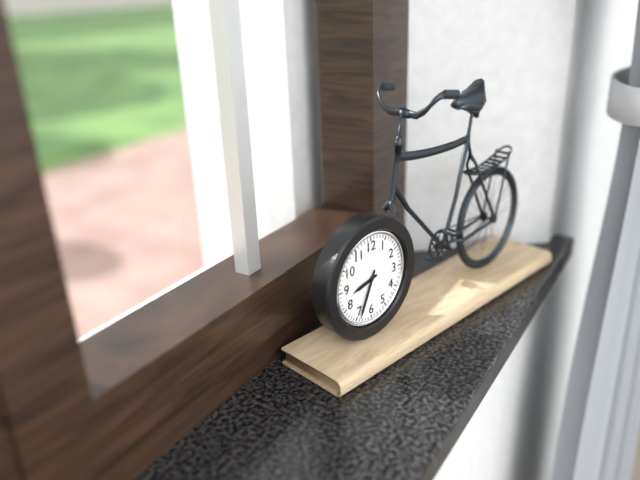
{"hour": 8, "minute": 34}
